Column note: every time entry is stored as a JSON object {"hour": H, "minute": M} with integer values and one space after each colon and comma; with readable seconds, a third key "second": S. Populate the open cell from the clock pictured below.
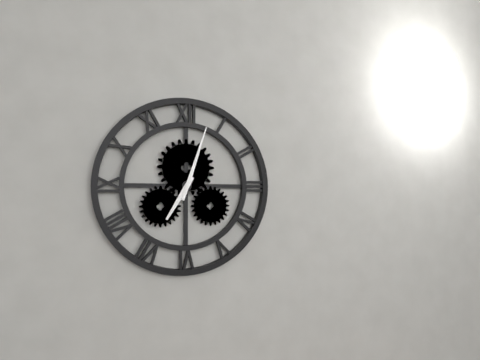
{"hour": 7, "minute": 3}
